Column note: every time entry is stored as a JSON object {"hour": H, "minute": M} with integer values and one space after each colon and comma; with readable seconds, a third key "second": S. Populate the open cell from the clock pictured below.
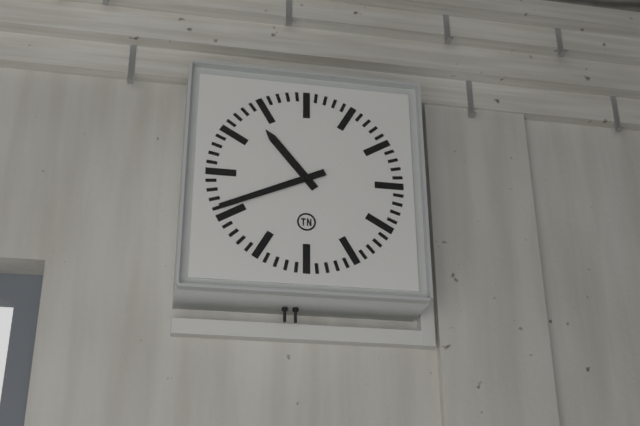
{"hour": 10, "minute": 41}
